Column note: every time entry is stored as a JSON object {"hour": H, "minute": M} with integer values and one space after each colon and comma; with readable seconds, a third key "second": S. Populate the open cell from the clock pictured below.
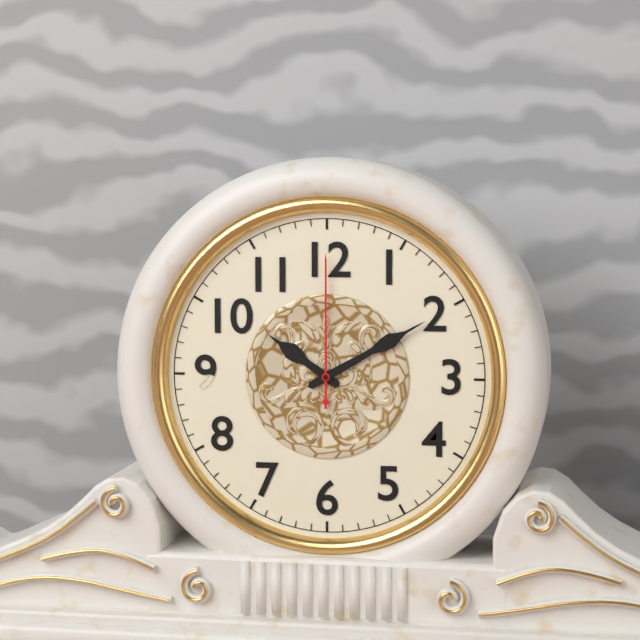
{"hour": 10, "minute": 10, "second": 0}
